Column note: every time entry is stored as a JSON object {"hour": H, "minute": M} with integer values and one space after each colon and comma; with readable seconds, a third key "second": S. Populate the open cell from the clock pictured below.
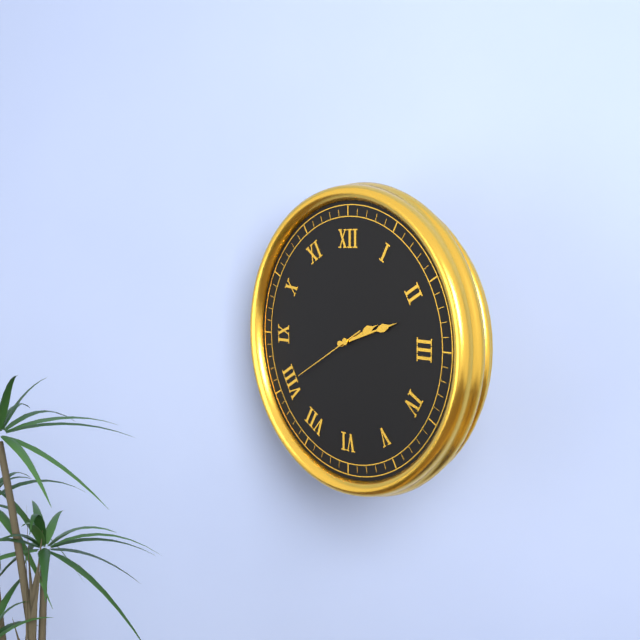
{"hour": 2, "minute": 12, "second": 40}
